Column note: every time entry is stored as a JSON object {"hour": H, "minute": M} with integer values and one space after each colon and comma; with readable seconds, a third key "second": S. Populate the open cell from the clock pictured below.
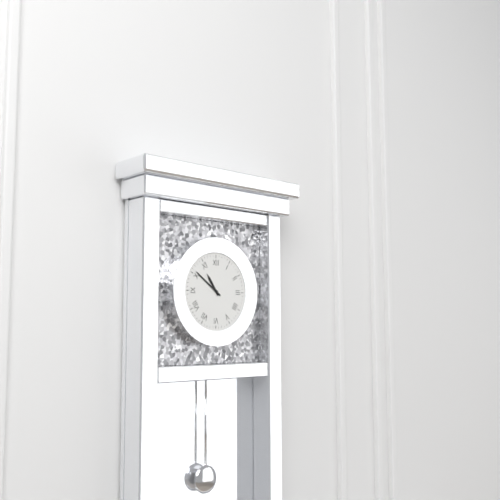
{"hour": 10, "minute": 51}
